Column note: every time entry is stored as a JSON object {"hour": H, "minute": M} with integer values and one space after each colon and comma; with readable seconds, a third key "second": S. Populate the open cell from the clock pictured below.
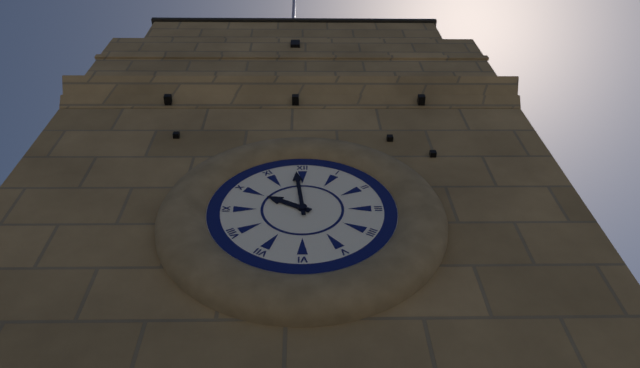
{"hour": 9, "minute": 59}
